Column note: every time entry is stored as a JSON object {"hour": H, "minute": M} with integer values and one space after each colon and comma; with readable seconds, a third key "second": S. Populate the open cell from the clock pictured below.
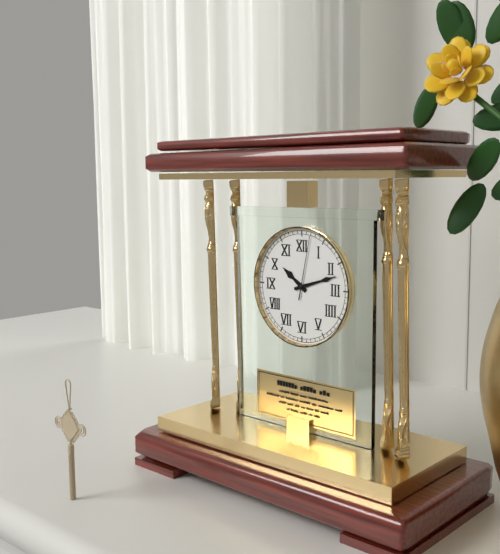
{"hour": 10, "minute": 12, "second": 2}
